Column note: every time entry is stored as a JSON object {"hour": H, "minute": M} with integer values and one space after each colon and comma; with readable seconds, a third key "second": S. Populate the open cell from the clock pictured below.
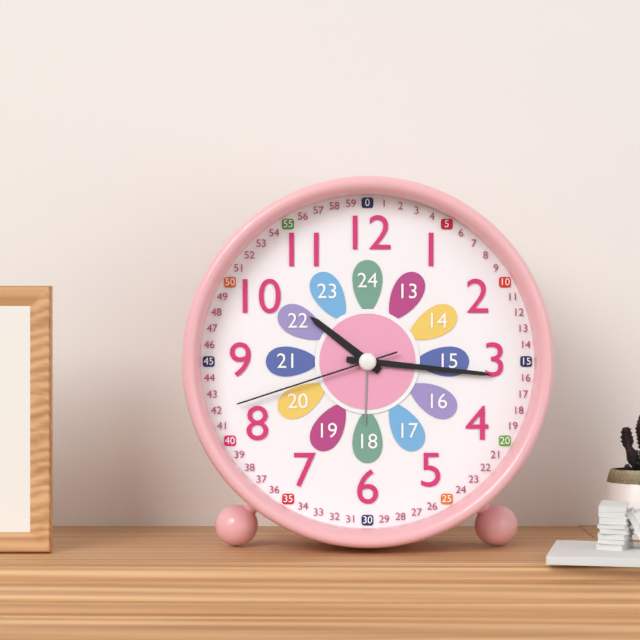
{"hour": 10, "minute": 16, "second": 42}
